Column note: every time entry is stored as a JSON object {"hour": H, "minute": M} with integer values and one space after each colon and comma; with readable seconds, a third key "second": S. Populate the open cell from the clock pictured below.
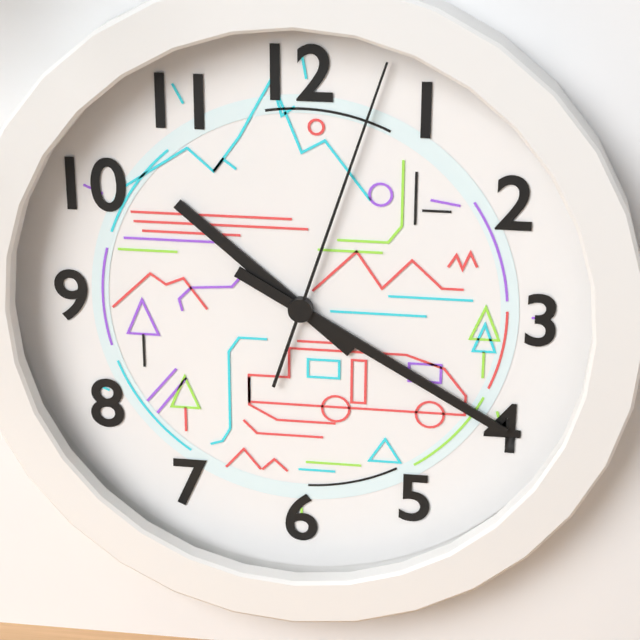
{"hour": 10, "minute": 20, "second": 3}
